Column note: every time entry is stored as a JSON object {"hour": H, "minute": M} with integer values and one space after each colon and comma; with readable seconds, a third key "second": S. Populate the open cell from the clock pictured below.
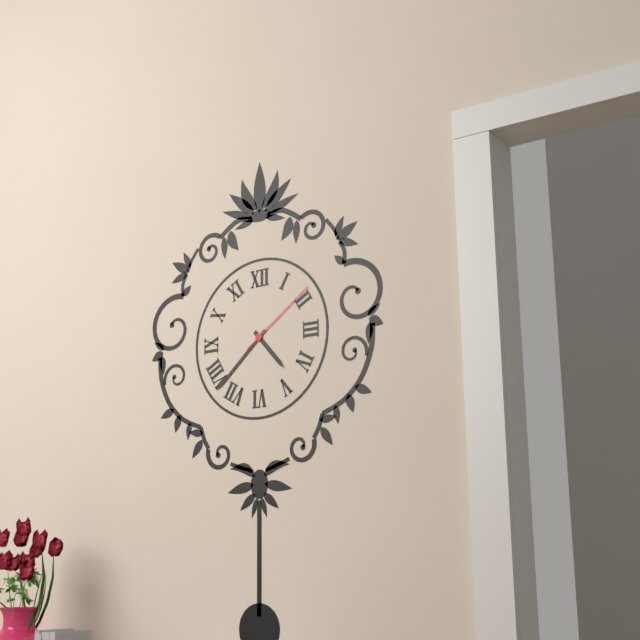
{"hour": 4, "minute": 38, "second": 9}
